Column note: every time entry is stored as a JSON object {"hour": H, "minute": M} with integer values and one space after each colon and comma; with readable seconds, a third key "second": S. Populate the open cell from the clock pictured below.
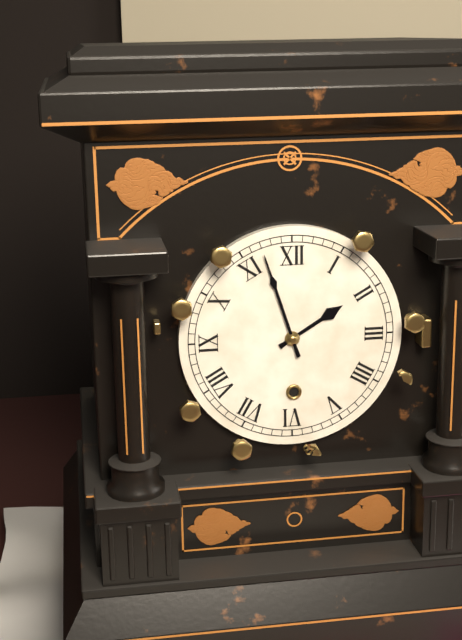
{"hour": 1, "minute": 57}
